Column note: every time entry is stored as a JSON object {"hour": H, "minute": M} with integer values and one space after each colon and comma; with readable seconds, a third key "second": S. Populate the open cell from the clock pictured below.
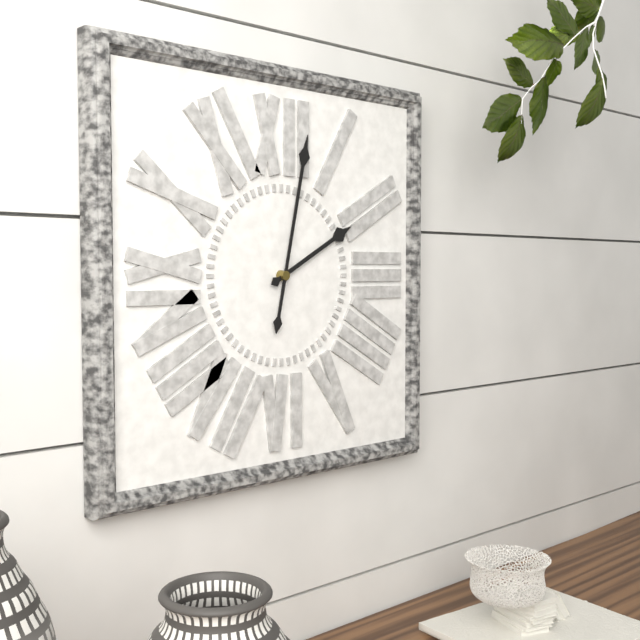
{"hour": 2, "minute": 2}
